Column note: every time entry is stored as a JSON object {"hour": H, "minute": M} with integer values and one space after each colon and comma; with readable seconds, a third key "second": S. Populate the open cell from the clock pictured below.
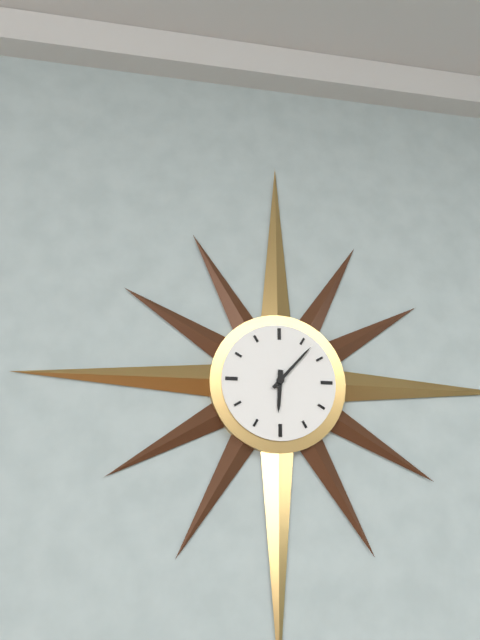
{"hour": 6, "minute": 7}
